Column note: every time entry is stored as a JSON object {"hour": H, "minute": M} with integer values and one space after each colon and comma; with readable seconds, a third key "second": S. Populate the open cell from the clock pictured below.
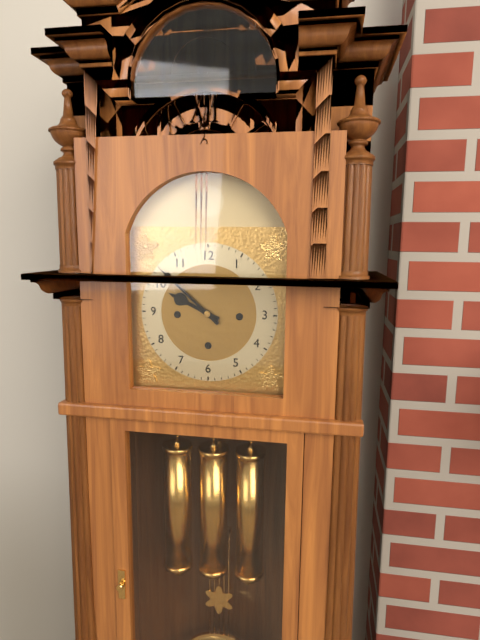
{"hour": 9, "minute": 52}
